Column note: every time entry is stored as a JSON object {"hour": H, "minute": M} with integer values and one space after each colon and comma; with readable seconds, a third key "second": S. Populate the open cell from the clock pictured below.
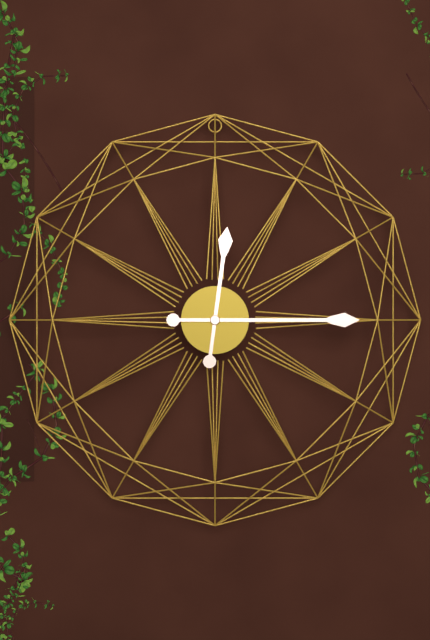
{"hour": 12, "minute": 15}
